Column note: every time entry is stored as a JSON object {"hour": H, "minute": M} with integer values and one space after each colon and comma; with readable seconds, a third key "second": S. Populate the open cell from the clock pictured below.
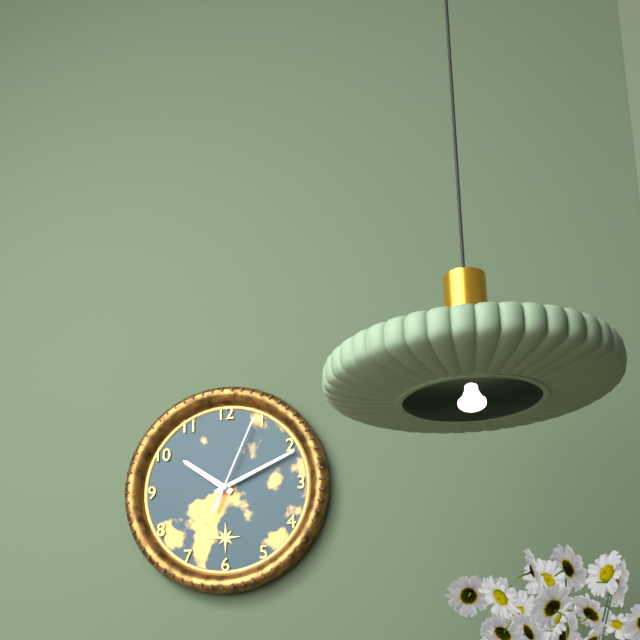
{"hour": 10, "minute": 11, "second": 4}
